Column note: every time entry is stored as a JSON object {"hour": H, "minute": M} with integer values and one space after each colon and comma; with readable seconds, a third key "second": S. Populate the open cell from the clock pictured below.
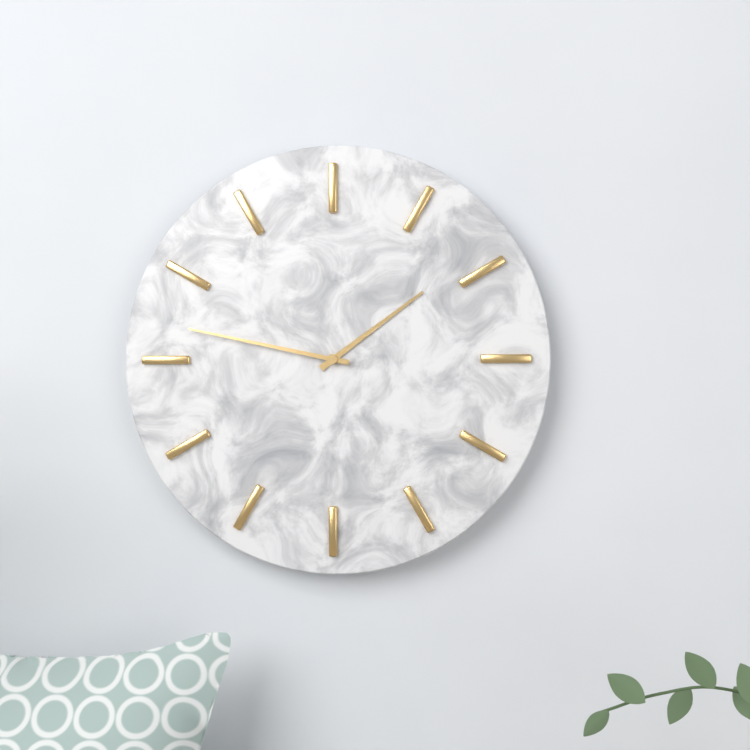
{"hour": 1, "minute": 47}
